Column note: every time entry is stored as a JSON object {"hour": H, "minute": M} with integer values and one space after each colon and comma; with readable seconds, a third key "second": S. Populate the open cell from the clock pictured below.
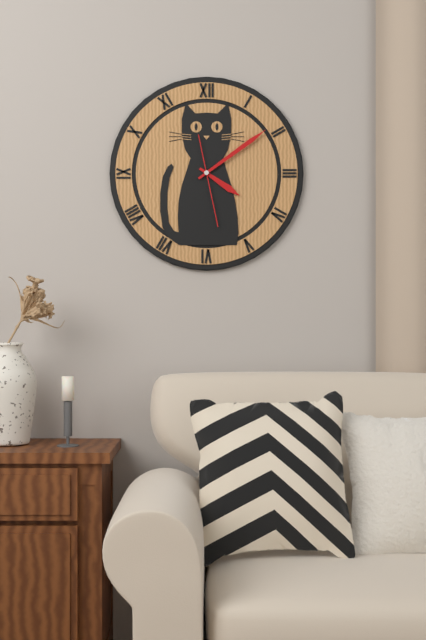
{"hour": 4, "minute": 9, "second": 28}
